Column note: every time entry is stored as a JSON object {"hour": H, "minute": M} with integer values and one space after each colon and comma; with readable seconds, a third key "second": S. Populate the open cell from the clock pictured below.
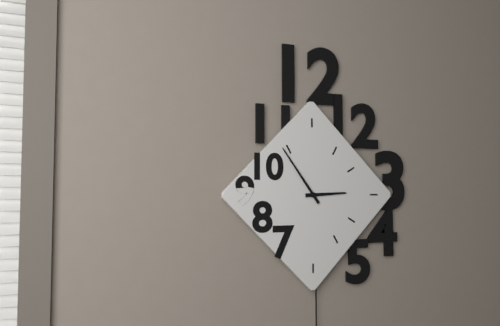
{"hour": 2, "minute": 54}
